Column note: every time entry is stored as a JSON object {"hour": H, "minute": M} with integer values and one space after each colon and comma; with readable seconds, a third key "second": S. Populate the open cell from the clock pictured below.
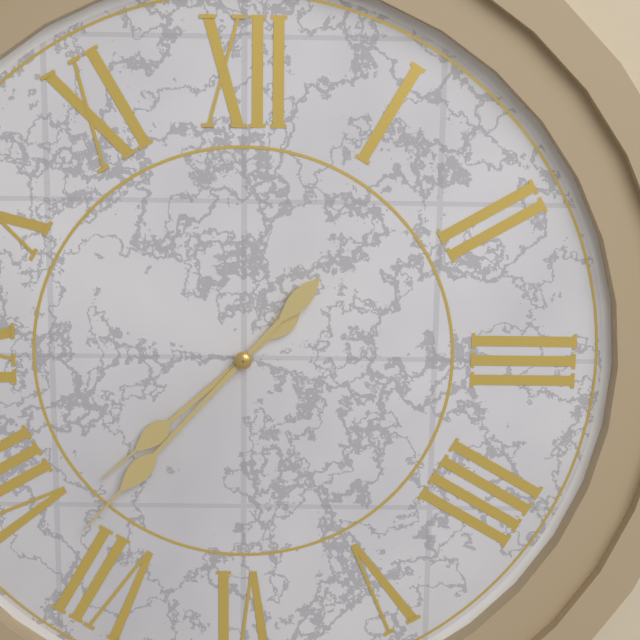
{"hour": 7, "minute": 37}
